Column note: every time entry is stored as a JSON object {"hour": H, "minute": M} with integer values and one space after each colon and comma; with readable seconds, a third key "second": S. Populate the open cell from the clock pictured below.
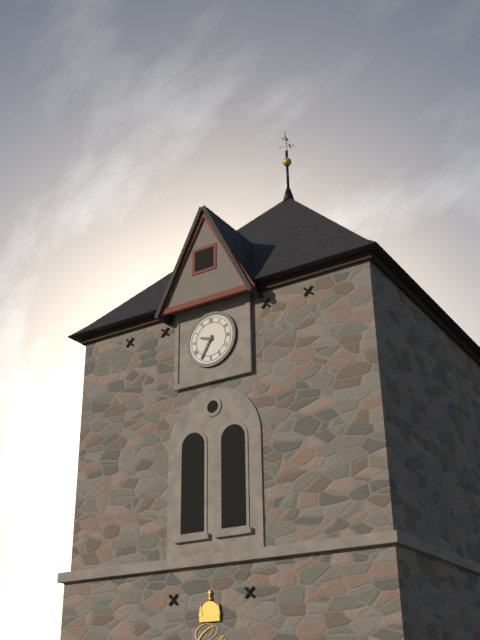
{"hour": 9, "minute": 35}
